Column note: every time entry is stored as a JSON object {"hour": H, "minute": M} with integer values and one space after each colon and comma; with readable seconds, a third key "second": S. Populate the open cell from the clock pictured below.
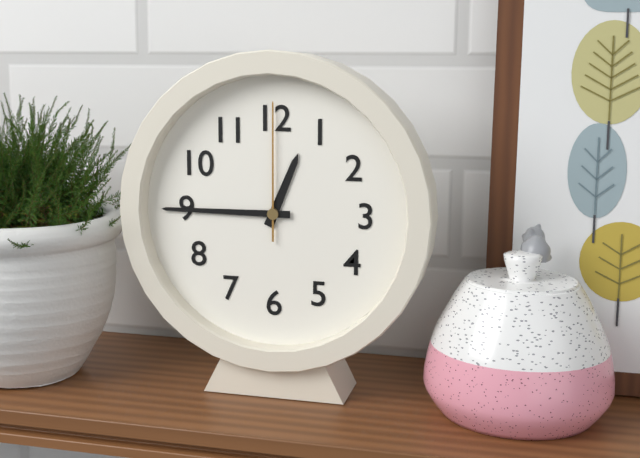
{"hour": 12, "minute": 45, "second": 0}
